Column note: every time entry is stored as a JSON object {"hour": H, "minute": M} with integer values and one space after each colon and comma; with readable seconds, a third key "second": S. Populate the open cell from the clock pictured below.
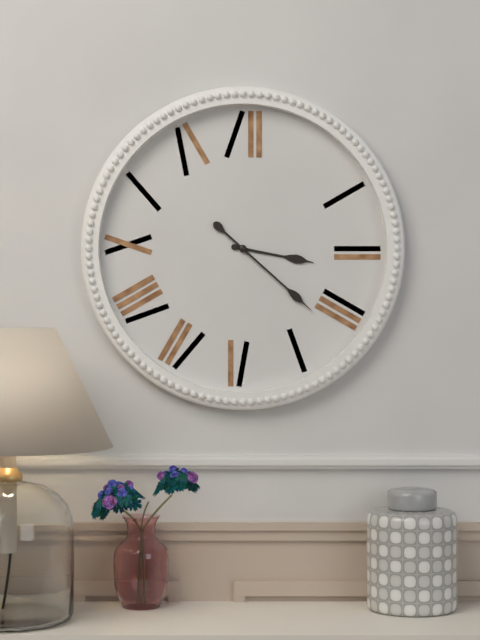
{"hour": 3, "minute": 22}
